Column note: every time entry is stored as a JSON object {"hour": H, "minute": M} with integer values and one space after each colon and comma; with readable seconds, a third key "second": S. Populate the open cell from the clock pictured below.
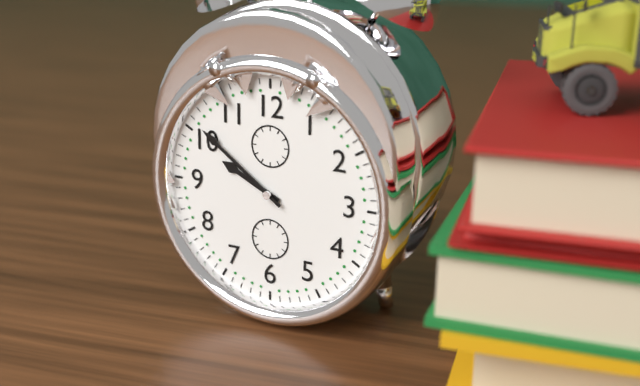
{"hour": 9, "minute": 51}
